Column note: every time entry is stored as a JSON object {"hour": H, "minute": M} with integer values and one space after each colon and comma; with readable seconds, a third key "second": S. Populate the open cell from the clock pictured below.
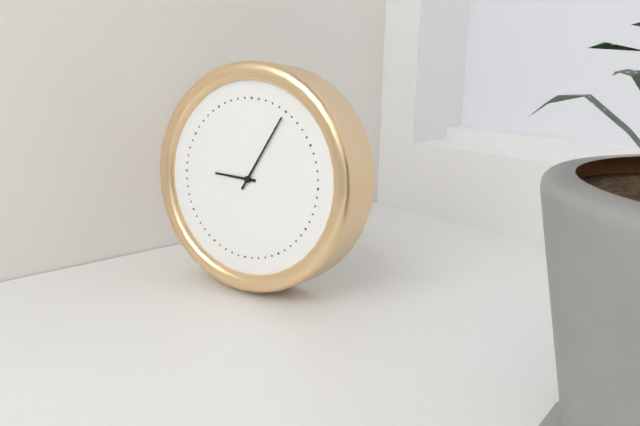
{"hour": 9, "minute": 5}
